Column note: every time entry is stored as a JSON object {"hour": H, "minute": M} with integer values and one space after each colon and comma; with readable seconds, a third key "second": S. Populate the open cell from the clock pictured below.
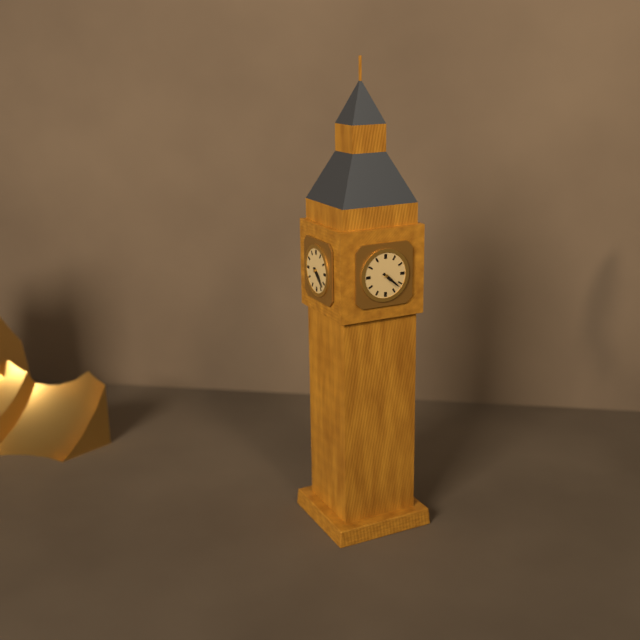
{"hour": 4, "minute": 22}
